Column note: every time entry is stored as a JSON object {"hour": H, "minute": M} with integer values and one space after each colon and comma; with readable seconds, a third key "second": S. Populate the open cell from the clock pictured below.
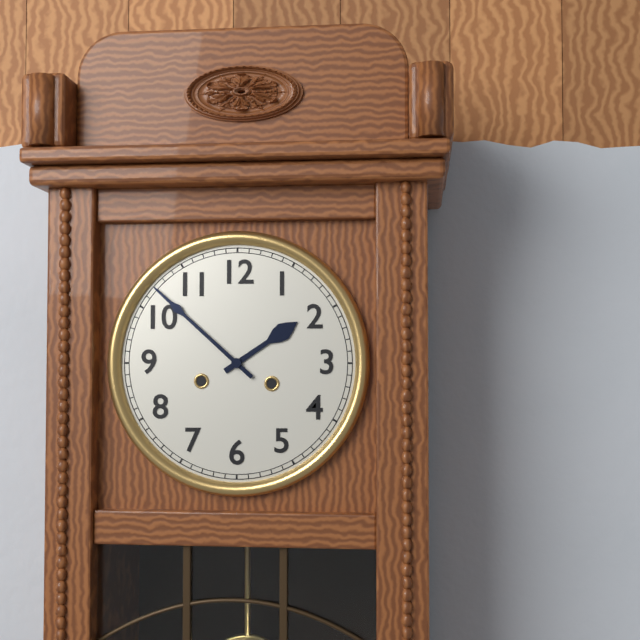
{"hour": 1, "minute": 52}
